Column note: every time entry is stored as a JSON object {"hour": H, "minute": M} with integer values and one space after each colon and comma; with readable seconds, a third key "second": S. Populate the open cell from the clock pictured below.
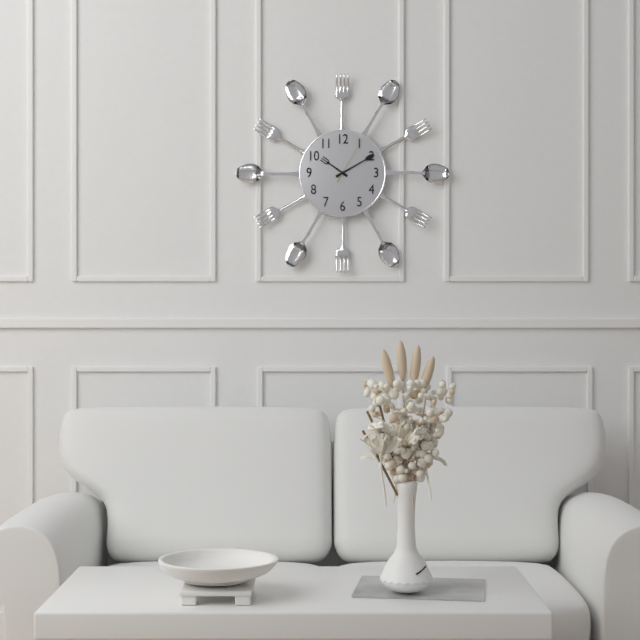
{"hour": 10, "minute": 10}
